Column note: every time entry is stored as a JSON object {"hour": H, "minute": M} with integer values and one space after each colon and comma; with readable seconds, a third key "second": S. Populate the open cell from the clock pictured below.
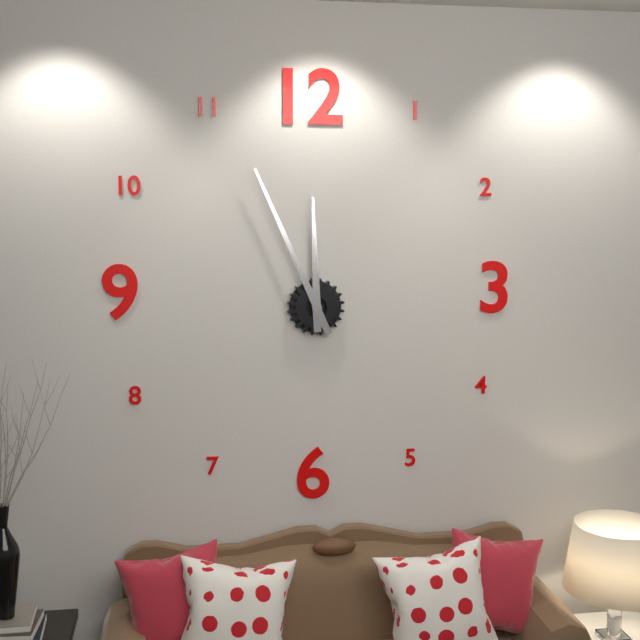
{"hour": 11, "minute": 56}
